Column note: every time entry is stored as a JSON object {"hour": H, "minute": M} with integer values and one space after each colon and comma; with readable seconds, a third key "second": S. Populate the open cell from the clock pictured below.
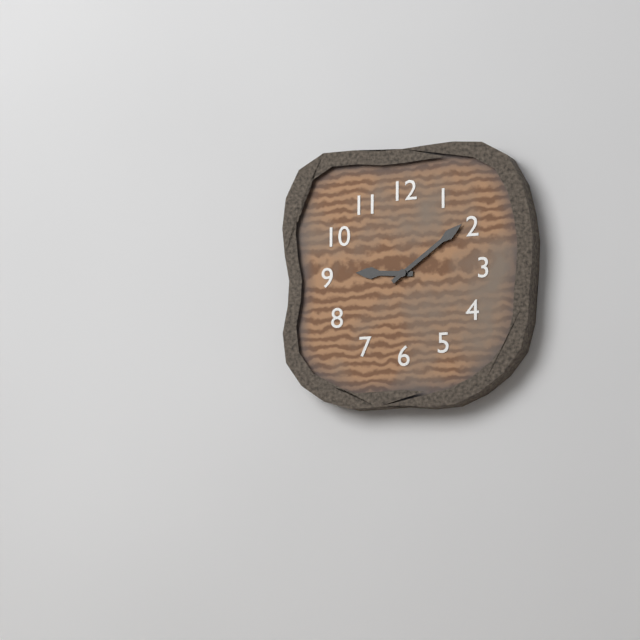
{"hour": 9, "minute": 9}
